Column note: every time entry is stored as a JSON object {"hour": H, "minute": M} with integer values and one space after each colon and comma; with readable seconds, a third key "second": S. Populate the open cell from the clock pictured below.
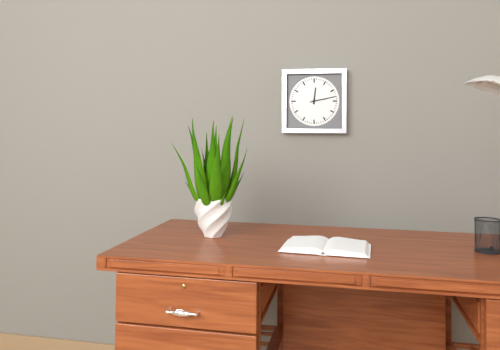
{"hour": 12, "minute": 13}
